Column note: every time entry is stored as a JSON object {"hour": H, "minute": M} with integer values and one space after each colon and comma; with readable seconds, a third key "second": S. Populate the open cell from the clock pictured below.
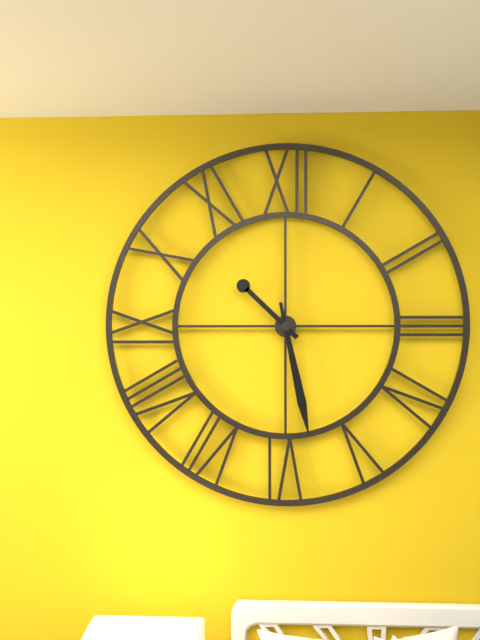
{"hour": 10, "minute": 28}
